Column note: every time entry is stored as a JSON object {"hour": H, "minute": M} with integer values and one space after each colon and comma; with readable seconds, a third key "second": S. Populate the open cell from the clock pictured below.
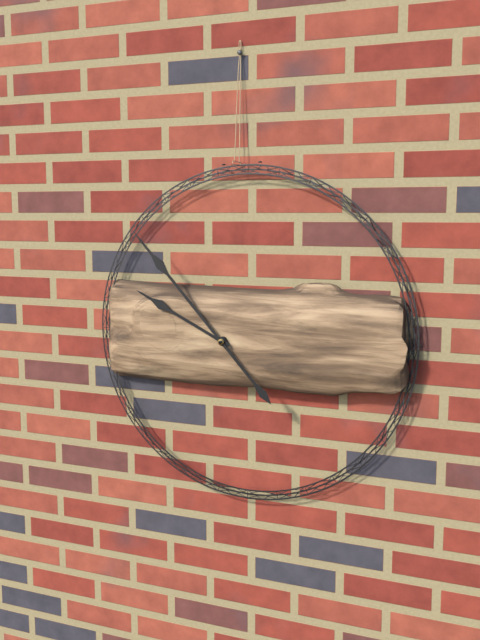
{"hour": 9, "minute": 53}
